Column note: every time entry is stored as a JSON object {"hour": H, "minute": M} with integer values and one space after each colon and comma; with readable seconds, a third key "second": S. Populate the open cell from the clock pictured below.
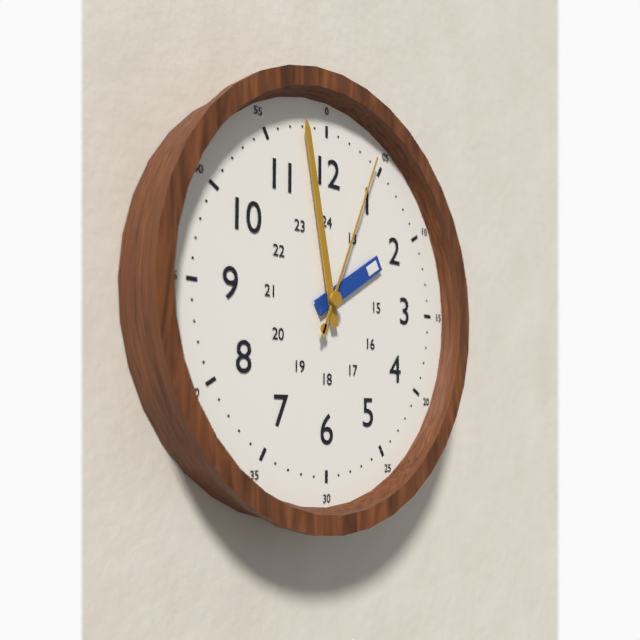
{"hour": 1, "minute": 58, "second": 4}
